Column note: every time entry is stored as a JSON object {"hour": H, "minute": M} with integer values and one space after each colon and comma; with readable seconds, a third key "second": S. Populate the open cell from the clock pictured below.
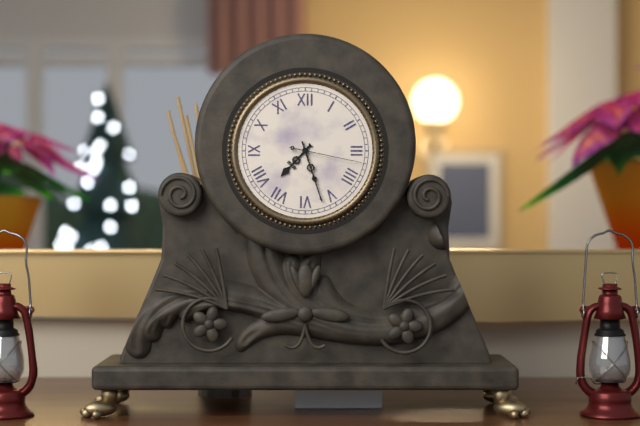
{"hour": 7, "minute": 27, "second": 17}
